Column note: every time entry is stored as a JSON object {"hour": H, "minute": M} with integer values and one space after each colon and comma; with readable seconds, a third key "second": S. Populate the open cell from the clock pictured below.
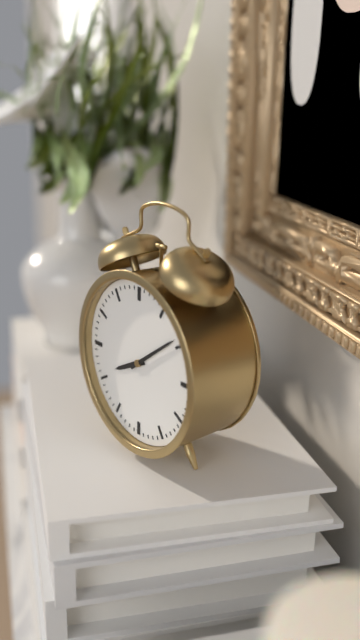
{"hour": 8, "minute": 9}
